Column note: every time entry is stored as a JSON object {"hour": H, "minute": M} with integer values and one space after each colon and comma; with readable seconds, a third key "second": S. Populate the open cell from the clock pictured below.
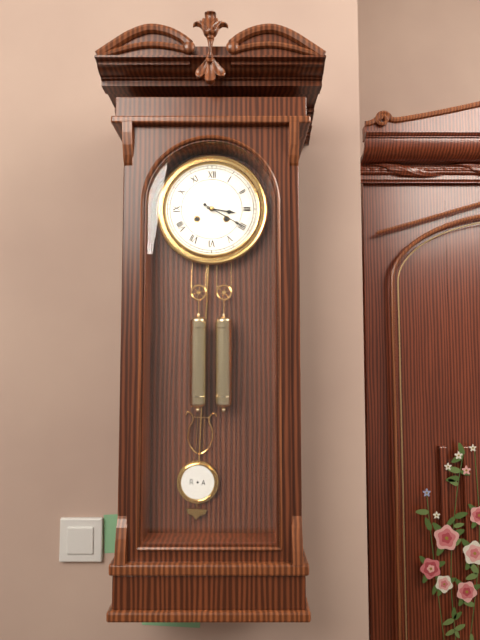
{"hour": 3, "minute": 20}
